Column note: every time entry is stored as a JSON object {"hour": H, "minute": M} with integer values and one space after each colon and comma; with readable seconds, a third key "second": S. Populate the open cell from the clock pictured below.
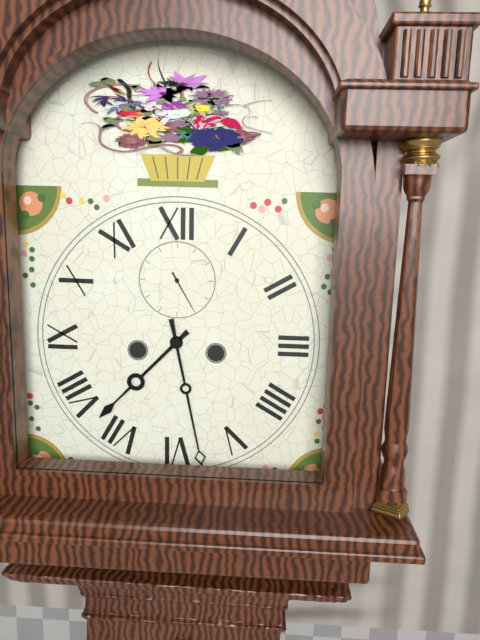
{"hour": 7, "minute": 28}
